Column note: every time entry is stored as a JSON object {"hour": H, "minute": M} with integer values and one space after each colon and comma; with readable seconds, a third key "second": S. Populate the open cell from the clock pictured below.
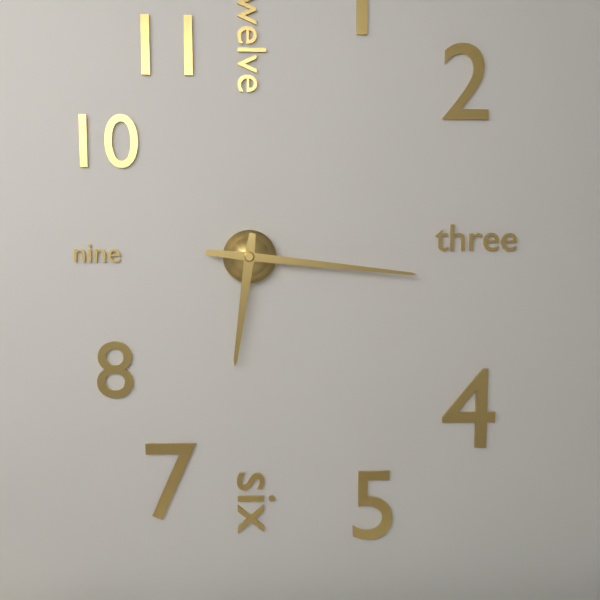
{"hour": 6, "minute": 16}
